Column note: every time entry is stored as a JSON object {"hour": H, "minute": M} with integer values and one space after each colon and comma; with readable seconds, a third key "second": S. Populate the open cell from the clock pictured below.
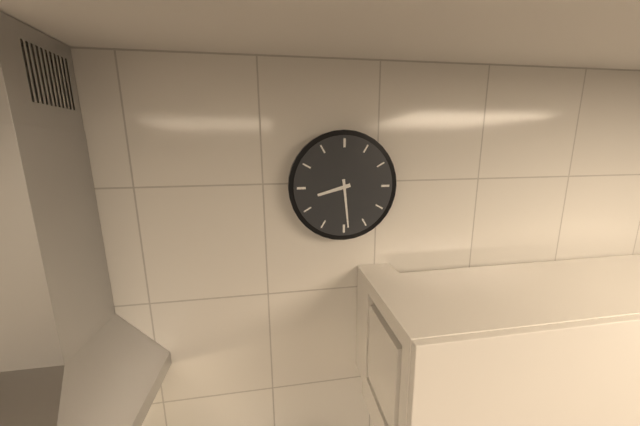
{"hour": 8, "minute": 29}
